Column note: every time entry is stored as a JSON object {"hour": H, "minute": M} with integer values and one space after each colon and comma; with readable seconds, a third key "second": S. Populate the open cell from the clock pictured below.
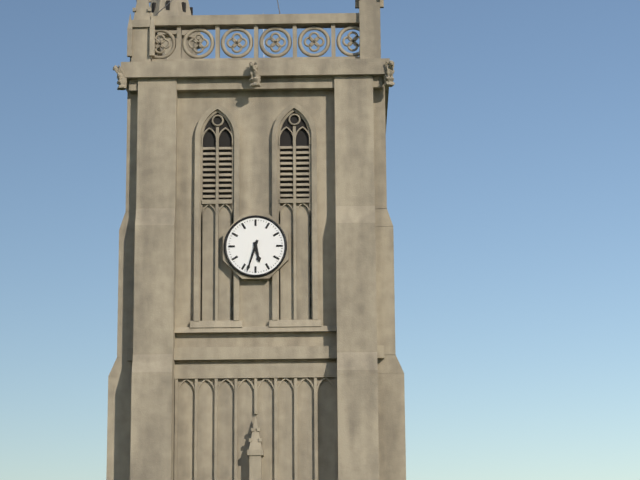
{"hour": 5, "minute": 33}
